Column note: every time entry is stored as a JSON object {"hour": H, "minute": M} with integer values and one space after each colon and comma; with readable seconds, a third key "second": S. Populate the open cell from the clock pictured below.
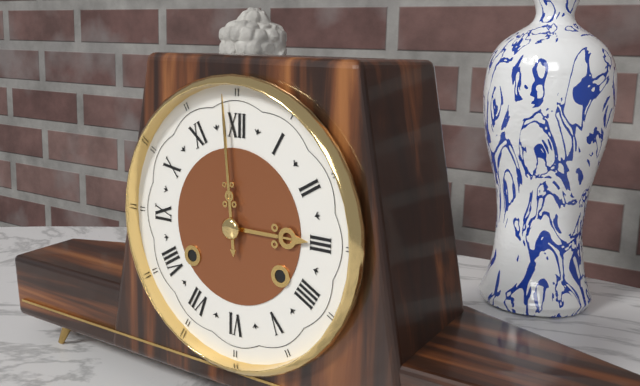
{"hour": 2, "minute": 59}
